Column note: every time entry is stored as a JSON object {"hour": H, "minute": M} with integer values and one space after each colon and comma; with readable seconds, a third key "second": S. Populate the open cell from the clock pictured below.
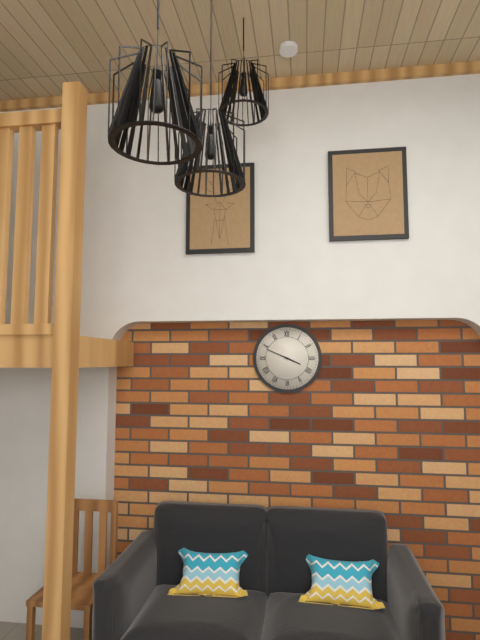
{"hour": 3, "minute": 49}
